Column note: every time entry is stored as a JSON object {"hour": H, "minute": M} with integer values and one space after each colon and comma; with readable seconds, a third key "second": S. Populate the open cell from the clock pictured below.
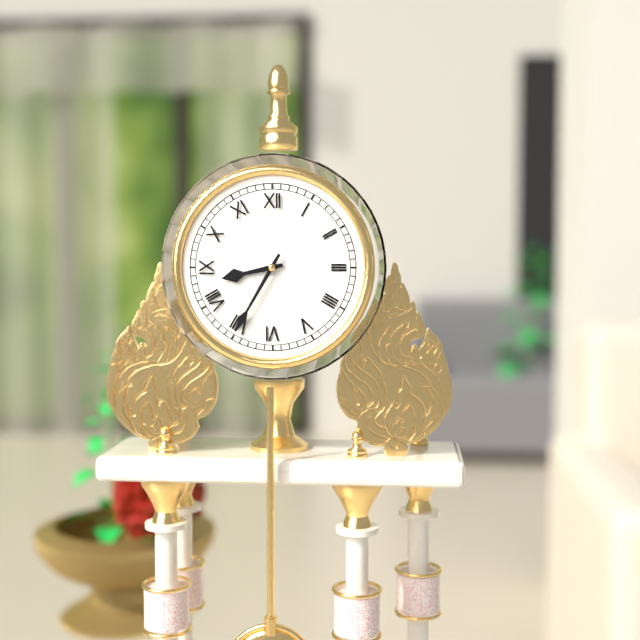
{"hour": 8, "minute": 35}
